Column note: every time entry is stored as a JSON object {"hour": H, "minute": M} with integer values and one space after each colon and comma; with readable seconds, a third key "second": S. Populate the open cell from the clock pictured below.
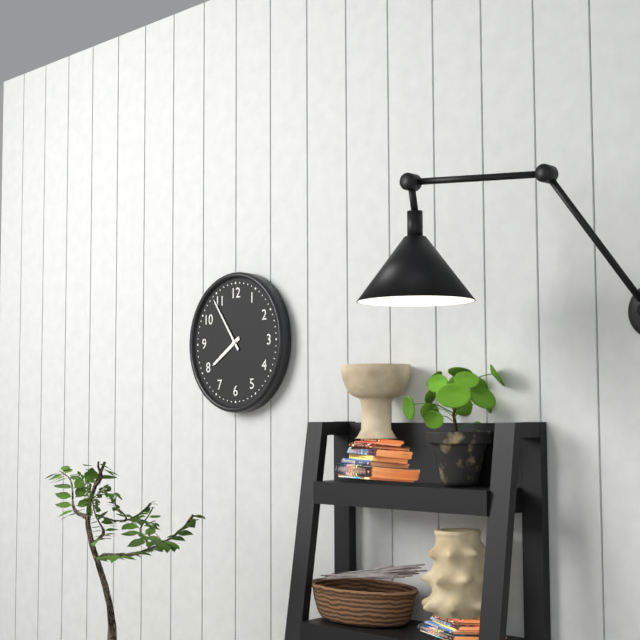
{"hour": 7, "minute": 54}
